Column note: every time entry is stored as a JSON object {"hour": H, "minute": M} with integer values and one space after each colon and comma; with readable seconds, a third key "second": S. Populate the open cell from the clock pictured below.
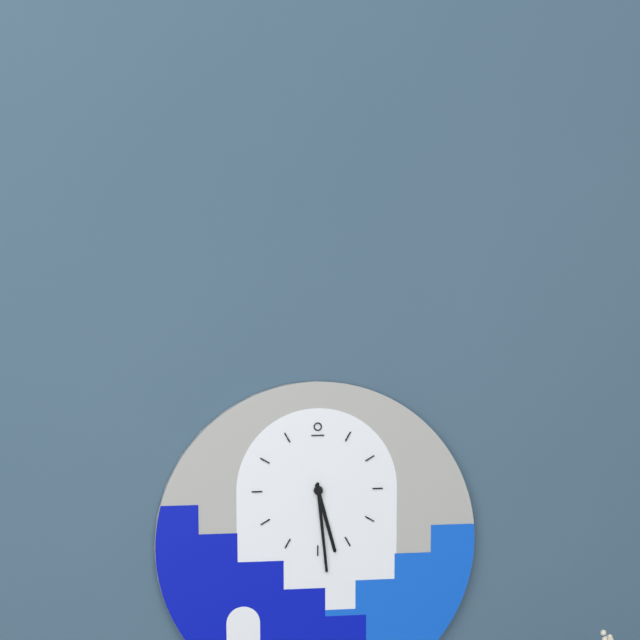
{"hour": 5, "minute": 29}
